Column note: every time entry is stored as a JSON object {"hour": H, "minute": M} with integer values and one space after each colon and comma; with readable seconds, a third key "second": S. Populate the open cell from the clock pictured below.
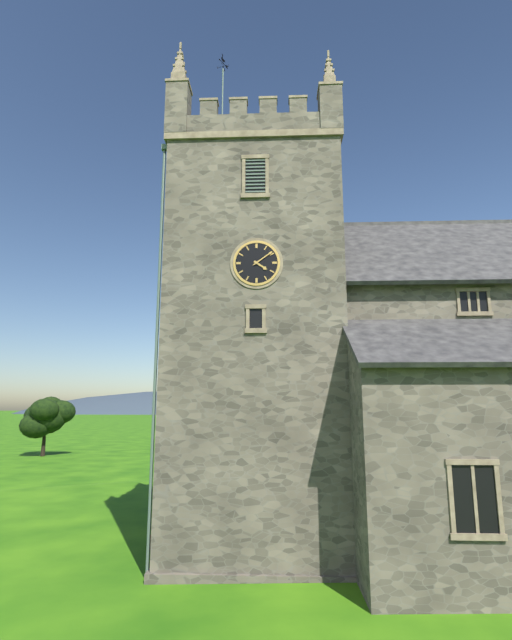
{"hour": 4, "minute": 9}
